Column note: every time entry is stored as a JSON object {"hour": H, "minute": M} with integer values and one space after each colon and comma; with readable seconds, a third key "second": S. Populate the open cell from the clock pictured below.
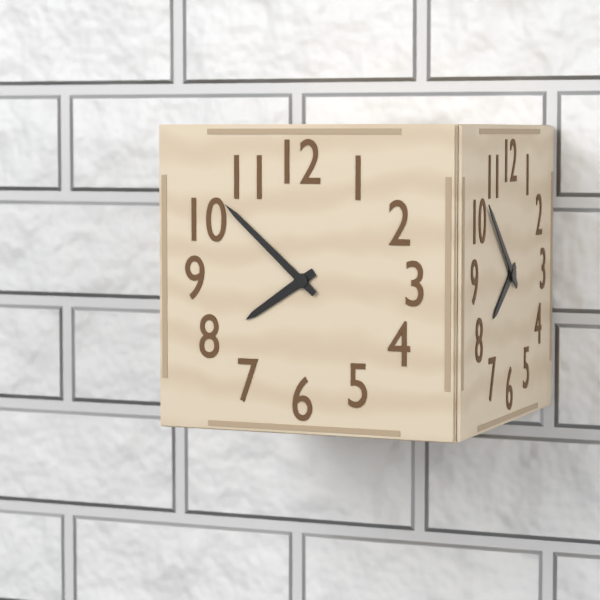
{"hour": 7, "minute": 52}
